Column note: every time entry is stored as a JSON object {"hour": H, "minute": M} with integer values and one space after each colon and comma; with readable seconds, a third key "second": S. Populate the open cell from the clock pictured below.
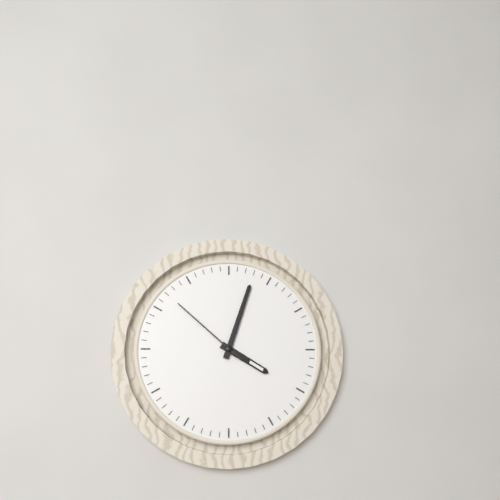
{"hour": 4, "minute": 3, "second": 52}
